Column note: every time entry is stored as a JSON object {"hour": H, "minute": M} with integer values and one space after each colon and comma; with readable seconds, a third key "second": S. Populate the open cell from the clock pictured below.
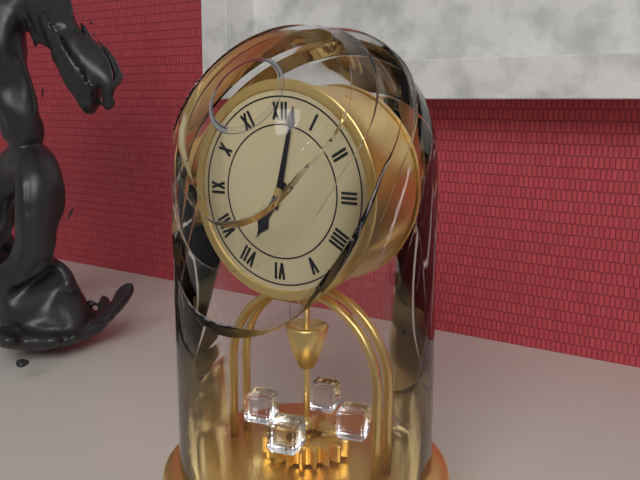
{"hour": 7, "minute": 2}
